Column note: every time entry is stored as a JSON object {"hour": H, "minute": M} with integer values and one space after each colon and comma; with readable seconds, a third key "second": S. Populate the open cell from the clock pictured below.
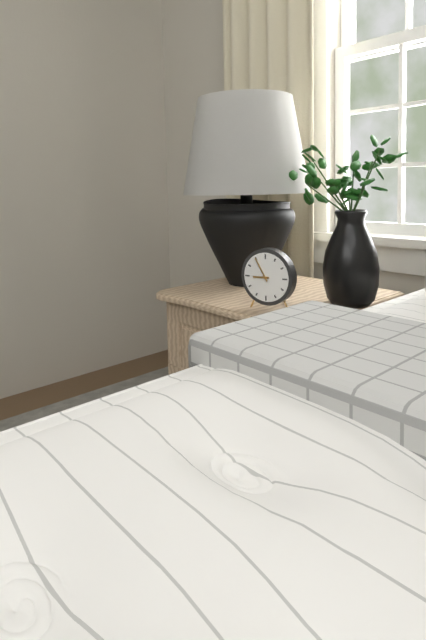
{"hour": 8, "minute": 55}
